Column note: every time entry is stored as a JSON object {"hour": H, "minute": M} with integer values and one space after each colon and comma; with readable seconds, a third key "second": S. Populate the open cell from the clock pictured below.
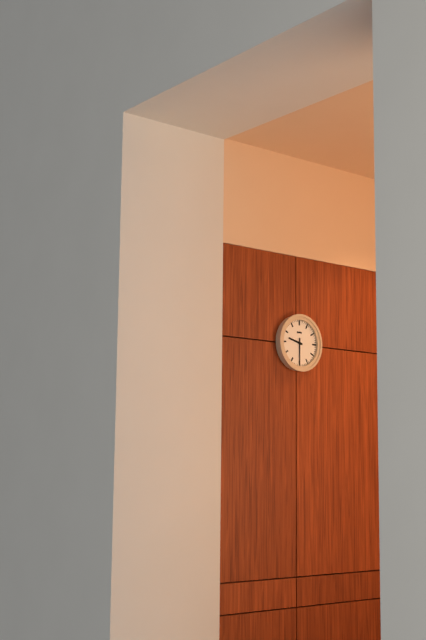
{"hour": 9, "minute": 30}
